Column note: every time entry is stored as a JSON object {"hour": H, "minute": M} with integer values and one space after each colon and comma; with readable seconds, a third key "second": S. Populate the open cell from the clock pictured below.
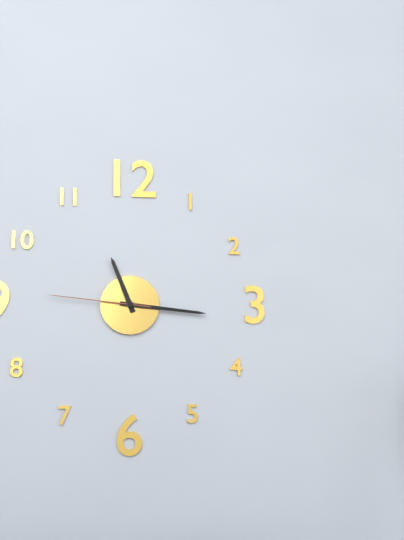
{"hour": 11, "minute": 16, "second": 46}
